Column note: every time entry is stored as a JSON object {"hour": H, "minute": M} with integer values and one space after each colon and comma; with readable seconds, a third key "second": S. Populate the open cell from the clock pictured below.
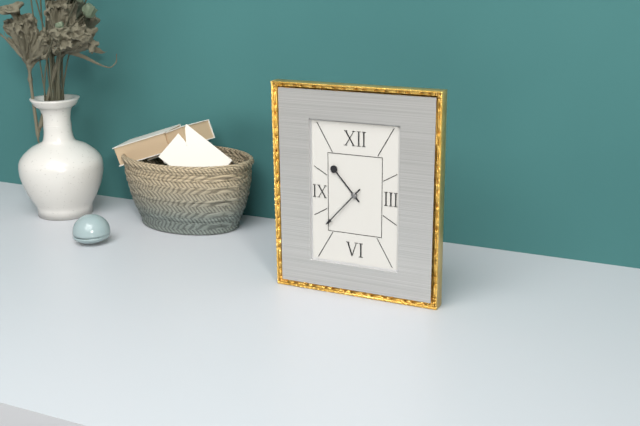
{"hour": 10, "minute": 37}
